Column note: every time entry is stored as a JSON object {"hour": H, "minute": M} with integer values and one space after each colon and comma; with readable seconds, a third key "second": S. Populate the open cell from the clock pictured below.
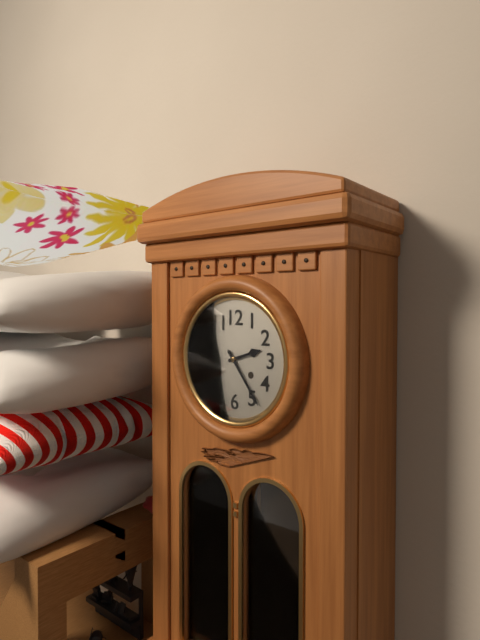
{"hour": 2, "minute": 24}
